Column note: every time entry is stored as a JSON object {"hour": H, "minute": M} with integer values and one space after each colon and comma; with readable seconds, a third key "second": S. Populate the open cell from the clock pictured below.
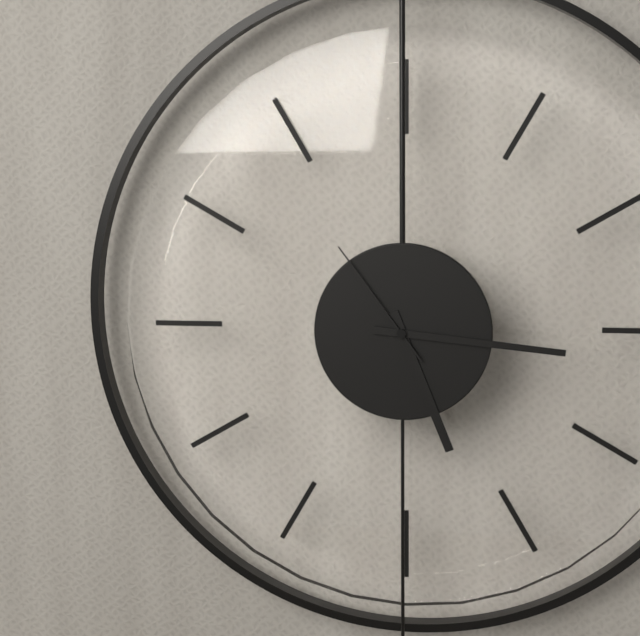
{"hour": 5, "minute": 16, "second": 54}
